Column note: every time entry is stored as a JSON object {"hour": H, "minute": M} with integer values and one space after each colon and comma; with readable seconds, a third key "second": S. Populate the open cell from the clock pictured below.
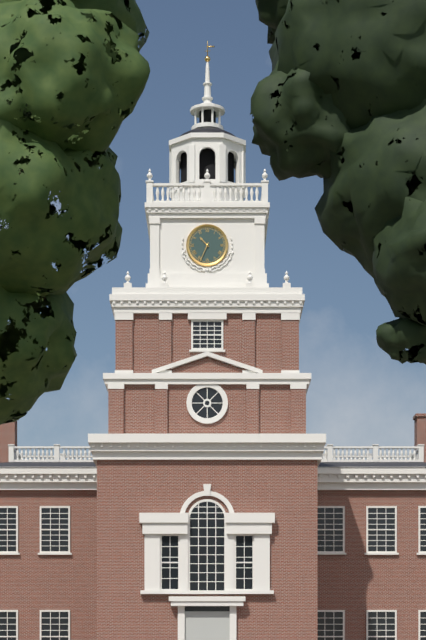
{"hour": 10, "minute": 34}
